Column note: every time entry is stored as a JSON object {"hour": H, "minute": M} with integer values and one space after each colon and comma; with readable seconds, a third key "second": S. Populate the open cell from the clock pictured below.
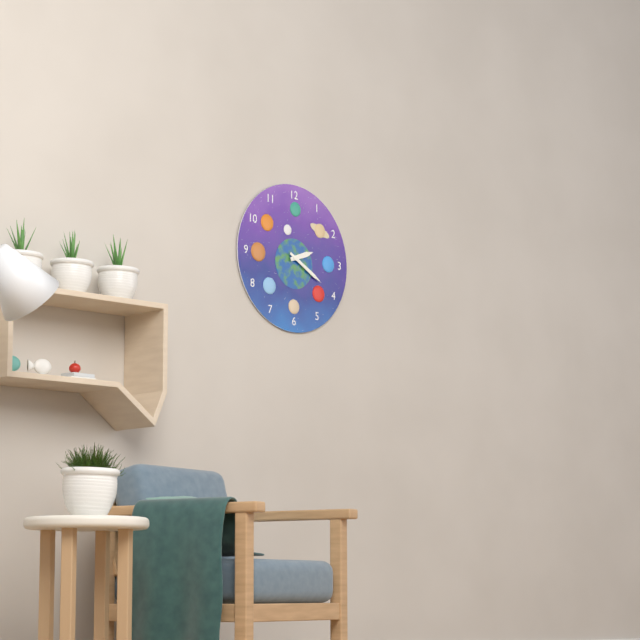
{"hour": 2, "minute": 20}
